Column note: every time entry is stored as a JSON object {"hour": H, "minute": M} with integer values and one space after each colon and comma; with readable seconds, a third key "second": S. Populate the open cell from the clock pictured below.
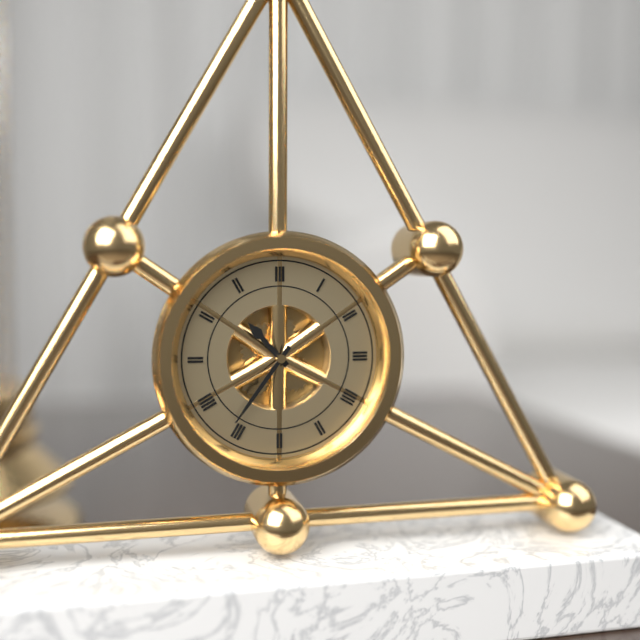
{"hour": 10, "minute": 36}
